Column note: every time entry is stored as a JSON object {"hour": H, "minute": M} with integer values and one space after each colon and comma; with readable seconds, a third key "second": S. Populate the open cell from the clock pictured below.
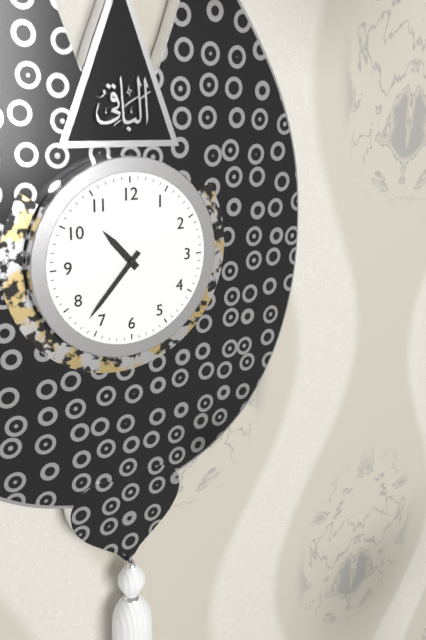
{"hour": 10, "minute": 37}
